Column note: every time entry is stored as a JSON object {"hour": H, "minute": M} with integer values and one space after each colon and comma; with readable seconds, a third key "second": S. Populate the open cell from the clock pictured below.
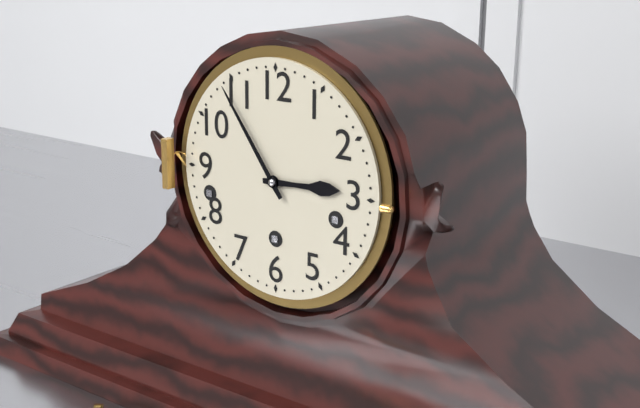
{"hour": 2, "minute": 54}
